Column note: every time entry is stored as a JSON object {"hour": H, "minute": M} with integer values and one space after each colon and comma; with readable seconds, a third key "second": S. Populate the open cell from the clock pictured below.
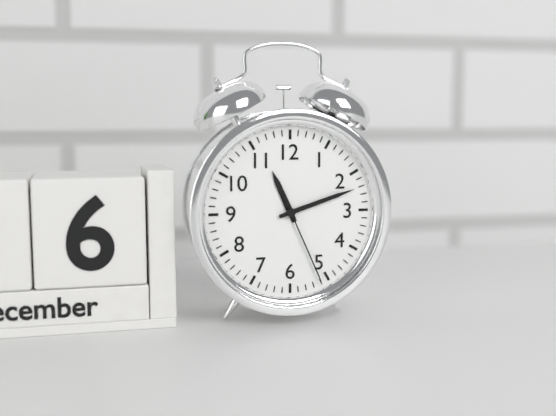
{"hour": 11, "minute": 12, "second": 26}
